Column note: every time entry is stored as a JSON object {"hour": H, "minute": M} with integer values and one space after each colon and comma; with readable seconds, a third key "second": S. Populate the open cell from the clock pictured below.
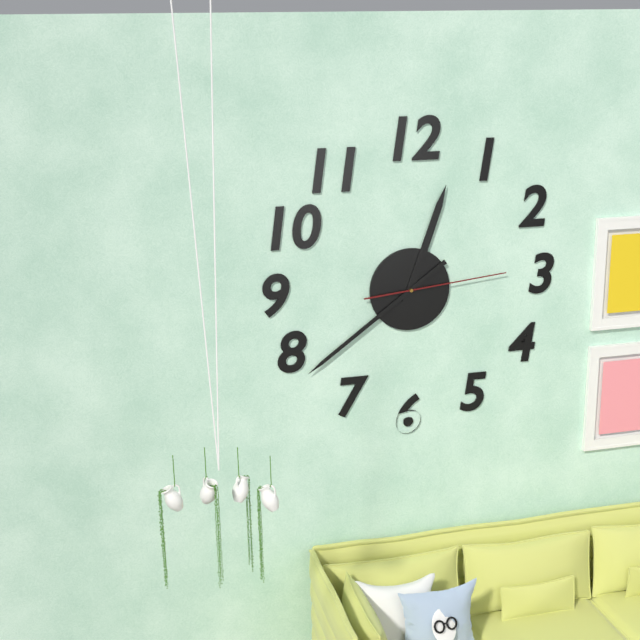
{"hour": 12, "minute": 39, "second": 14}
